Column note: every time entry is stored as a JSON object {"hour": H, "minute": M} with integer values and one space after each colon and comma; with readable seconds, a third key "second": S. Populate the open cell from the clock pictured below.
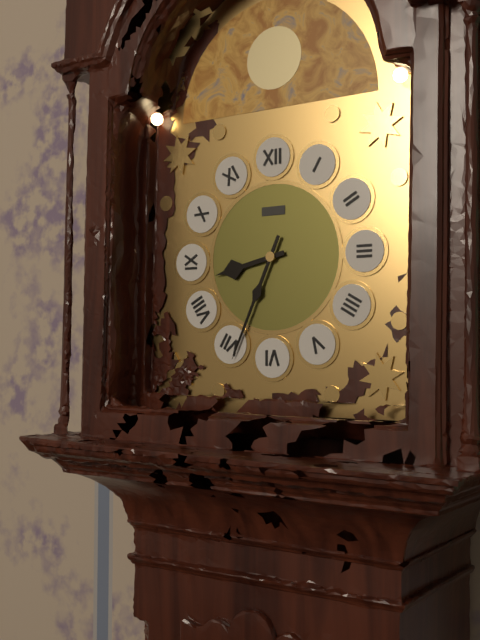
{"hour": 8, "minute": 34}
